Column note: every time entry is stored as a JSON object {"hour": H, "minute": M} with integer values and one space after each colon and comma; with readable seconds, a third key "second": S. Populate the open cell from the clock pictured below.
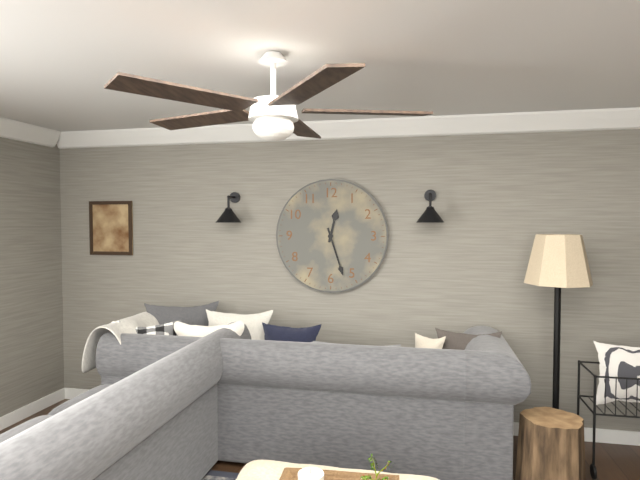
{"hour": 12, "minute": 27}
